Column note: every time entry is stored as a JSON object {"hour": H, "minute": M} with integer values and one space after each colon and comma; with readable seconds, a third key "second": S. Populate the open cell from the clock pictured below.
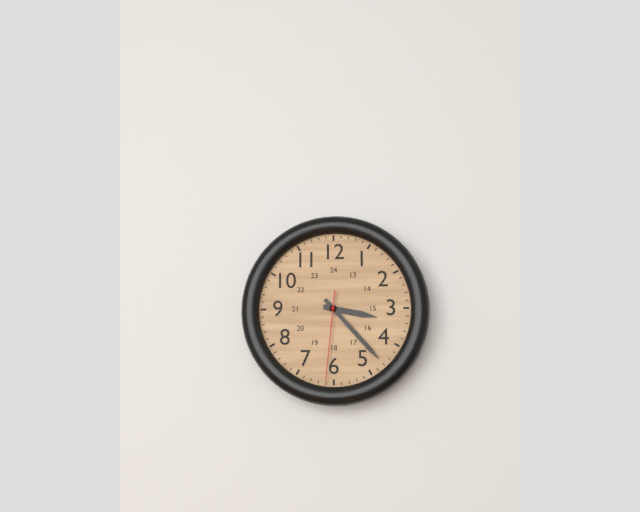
{"hour": 3, "minute": 23, "second": 31}
